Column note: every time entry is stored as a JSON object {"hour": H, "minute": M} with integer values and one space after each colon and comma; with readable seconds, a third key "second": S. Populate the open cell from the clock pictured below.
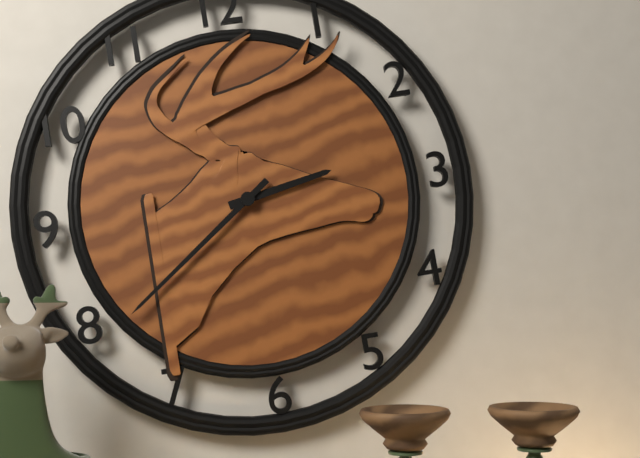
{"hour": 2, "minute": 39}
